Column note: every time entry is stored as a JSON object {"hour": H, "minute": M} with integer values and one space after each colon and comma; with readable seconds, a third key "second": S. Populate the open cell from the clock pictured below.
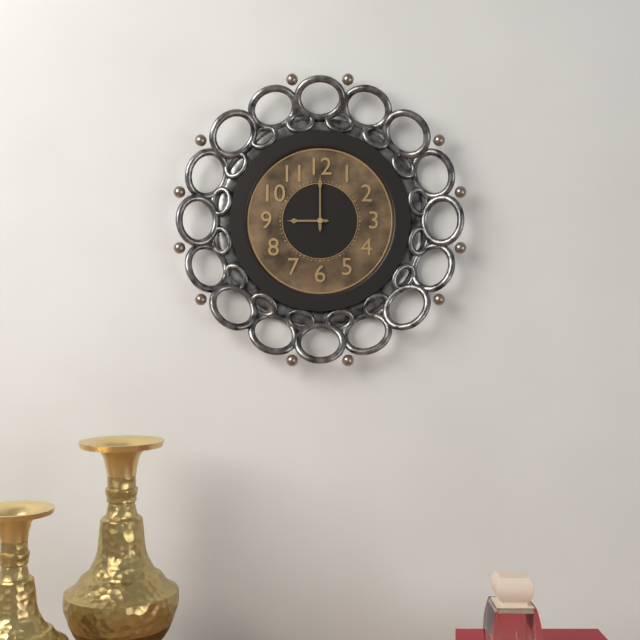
{"hour": 9, "minute": 0}
